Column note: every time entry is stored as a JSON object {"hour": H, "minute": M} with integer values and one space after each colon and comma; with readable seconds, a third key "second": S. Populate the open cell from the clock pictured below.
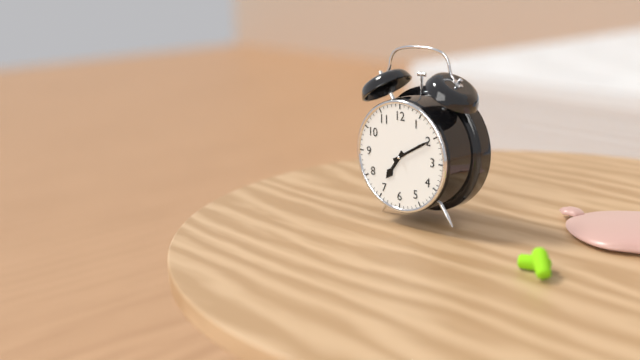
{"hour": 7, "minute": 10}
